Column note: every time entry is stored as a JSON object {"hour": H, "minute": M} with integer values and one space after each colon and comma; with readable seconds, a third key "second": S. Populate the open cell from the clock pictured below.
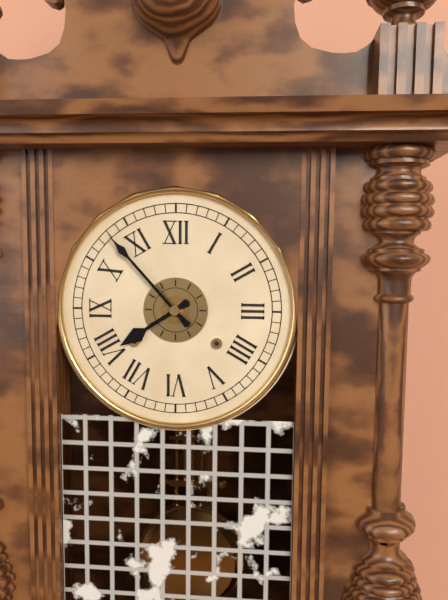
{"hour": 7, "minute": 53}
